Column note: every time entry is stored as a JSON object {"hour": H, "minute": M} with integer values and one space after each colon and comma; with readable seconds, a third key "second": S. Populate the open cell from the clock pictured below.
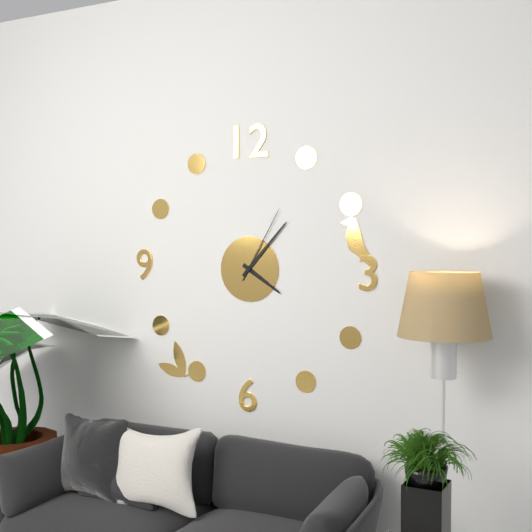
{"hour": 4, "minute": 7, "second": 5}
